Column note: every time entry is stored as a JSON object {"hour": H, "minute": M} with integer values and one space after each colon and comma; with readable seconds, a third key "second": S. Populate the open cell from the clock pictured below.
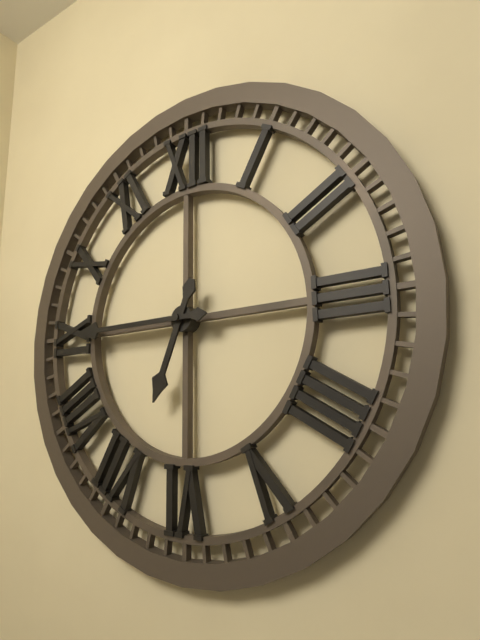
{"hour": 6, "minute": 45}
